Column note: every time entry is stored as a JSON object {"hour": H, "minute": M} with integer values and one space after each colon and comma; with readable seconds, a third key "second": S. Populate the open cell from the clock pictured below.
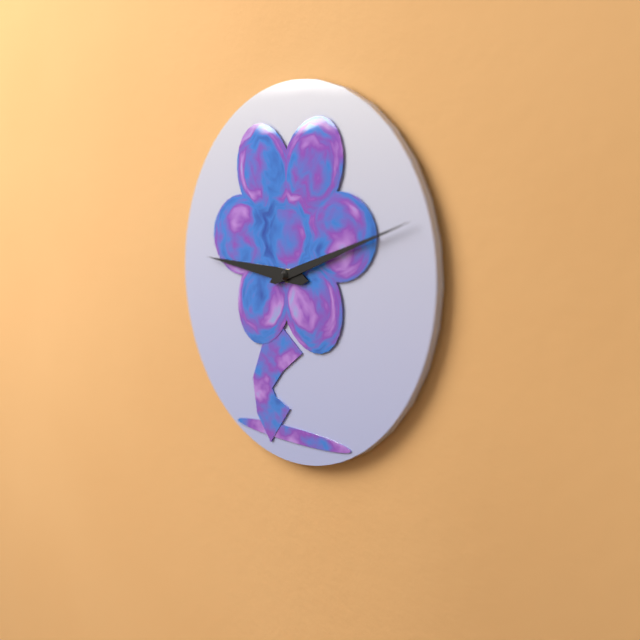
{"hour": 9, "minute": 12}
